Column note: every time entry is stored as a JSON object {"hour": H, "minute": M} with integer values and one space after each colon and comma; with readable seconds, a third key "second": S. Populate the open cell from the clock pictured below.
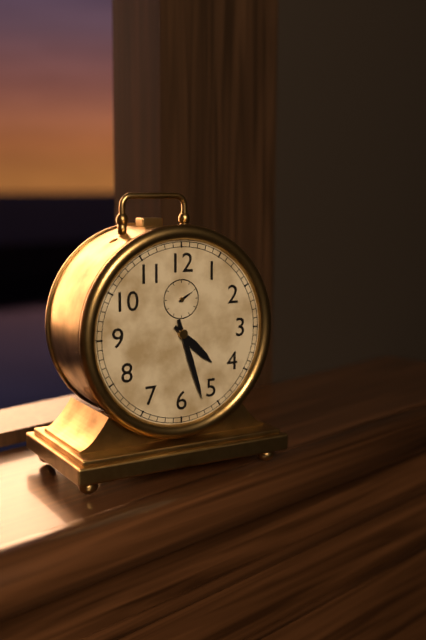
{"hour": 4, "minute": 27}
